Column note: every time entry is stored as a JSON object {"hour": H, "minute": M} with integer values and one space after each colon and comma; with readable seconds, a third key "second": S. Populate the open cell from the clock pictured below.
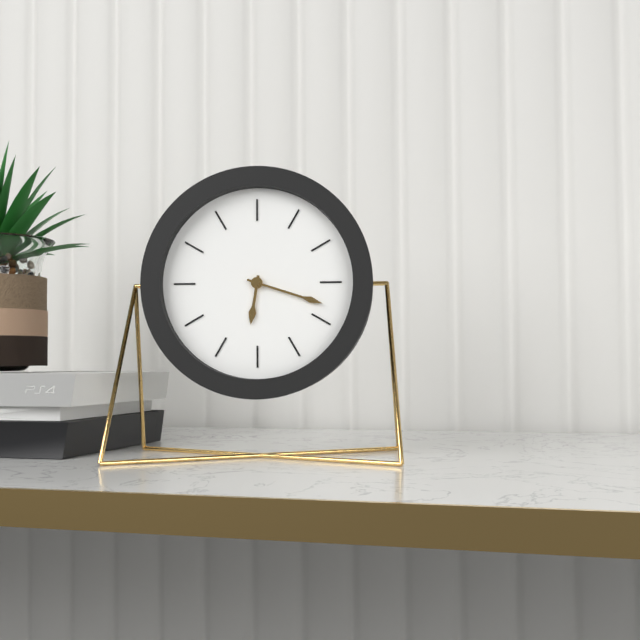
{"hour": 6, "minute": 18}
